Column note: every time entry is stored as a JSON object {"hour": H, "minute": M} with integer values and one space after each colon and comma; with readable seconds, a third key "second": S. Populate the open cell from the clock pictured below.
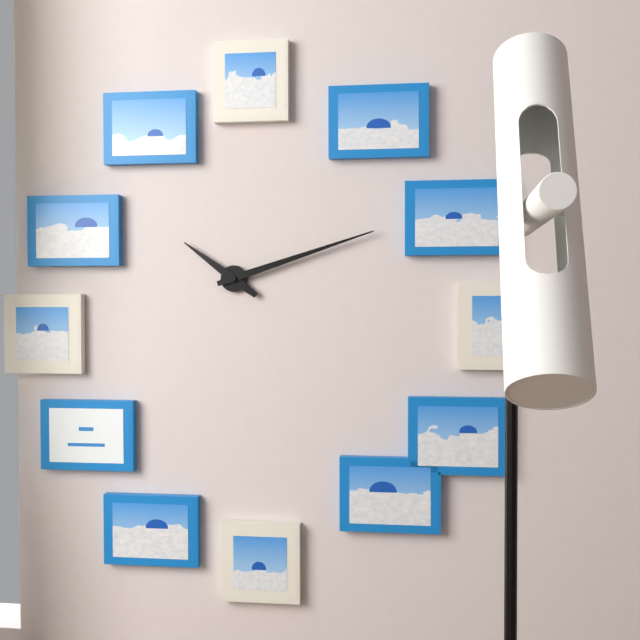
{"hour": 10, "minute": 12}
